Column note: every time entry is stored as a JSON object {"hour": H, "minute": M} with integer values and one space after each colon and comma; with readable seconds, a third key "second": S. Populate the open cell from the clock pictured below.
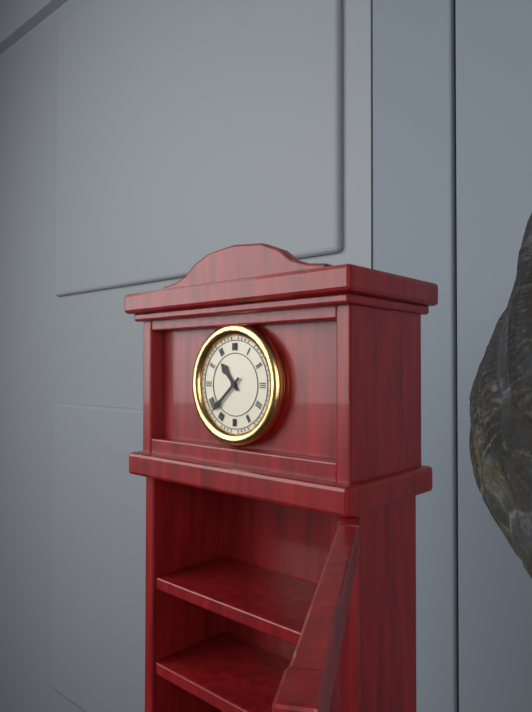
{"hour": 10, "minute": 38}
